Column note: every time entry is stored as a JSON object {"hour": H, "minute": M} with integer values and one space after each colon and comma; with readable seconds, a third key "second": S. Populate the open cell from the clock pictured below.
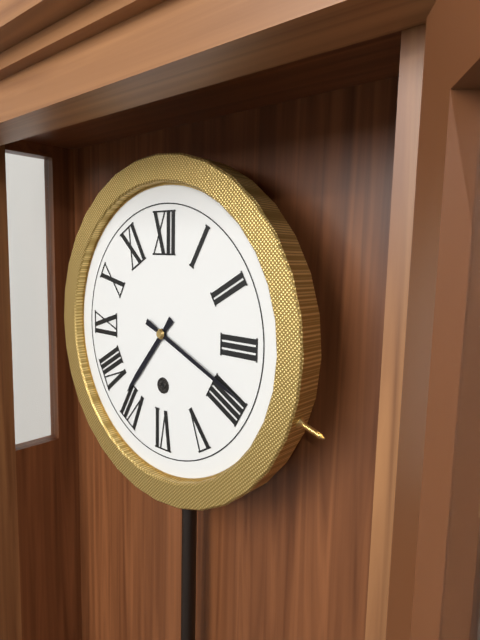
{"hour": 7, "minute": 19}
